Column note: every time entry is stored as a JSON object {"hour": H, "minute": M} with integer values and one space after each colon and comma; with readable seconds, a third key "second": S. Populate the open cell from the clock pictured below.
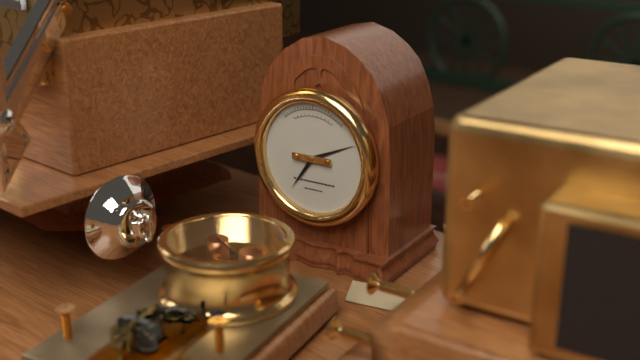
{"hour": 7, "minute": 11}
